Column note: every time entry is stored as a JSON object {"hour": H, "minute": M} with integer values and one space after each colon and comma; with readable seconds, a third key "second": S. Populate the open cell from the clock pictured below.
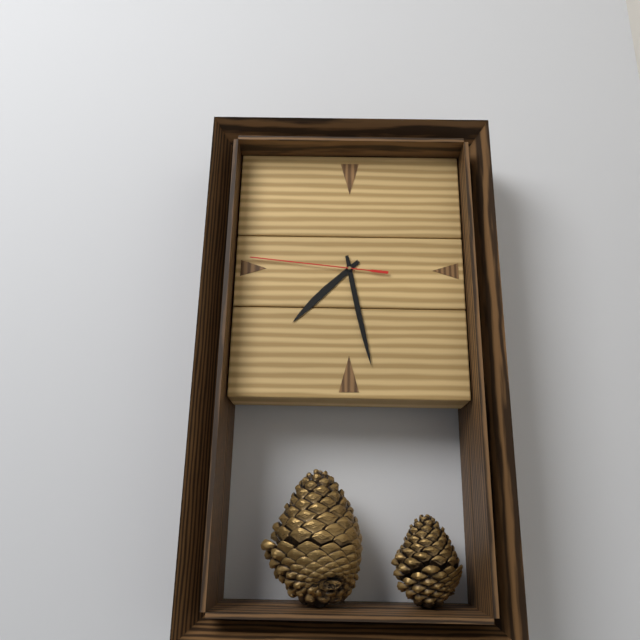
{"hour": 7, "minute": 28, "second": 46}
